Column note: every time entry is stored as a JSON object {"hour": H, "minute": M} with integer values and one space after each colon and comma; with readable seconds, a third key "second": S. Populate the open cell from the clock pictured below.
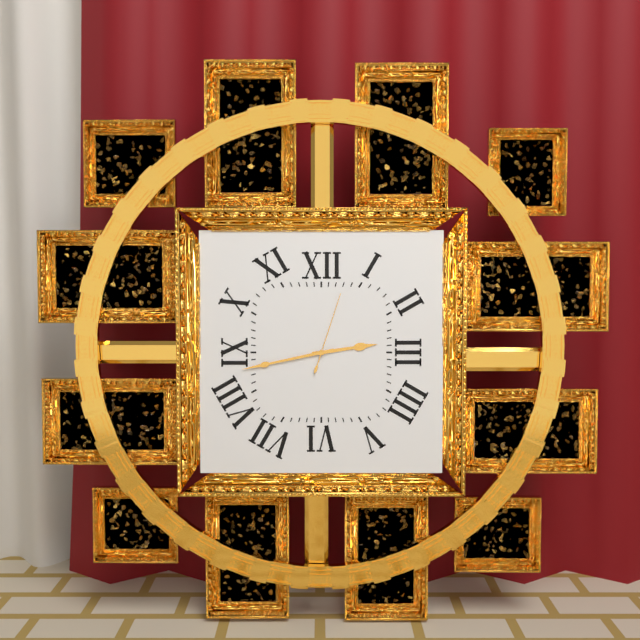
{"hour": 2, "minute": 43, "second": 3}
